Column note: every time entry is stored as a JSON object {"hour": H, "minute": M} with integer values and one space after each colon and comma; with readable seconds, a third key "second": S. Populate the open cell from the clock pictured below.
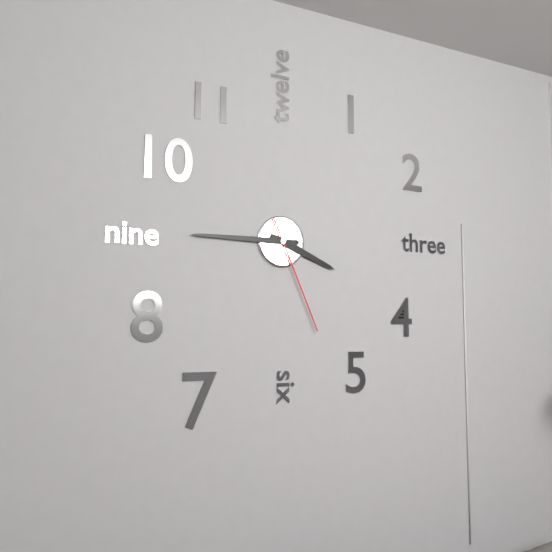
{"hour": 3, "minute": 45, "second": 26}
